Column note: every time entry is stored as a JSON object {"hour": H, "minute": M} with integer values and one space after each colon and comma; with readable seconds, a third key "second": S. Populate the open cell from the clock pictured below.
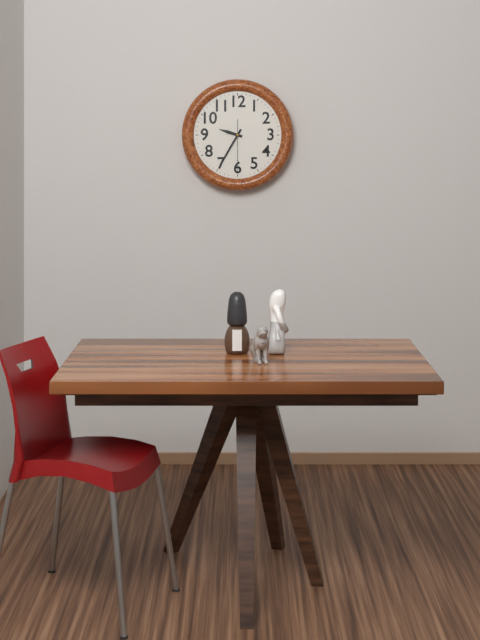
{"hour": 9, "minute": 35}
